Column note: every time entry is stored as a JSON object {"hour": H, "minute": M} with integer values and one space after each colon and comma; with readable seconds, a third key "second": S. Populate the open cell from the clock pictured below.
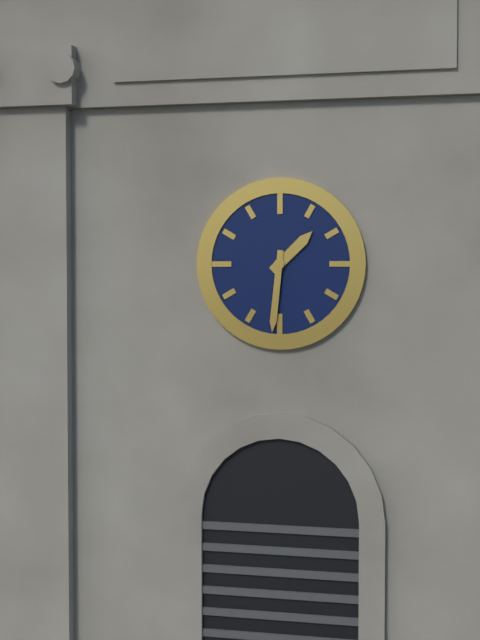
{"hour": 1, "minute": 31}
